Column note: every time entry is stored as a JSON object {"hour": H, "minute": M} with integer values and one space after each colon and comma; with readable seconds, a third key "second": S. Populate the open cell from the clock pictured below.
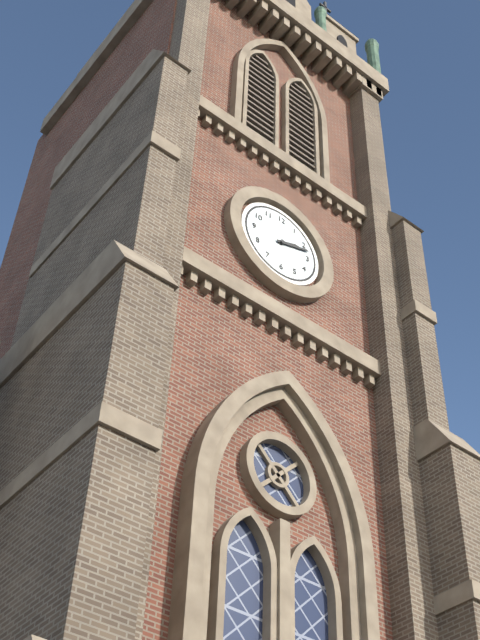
{"hour": 2, "minute": 12}
